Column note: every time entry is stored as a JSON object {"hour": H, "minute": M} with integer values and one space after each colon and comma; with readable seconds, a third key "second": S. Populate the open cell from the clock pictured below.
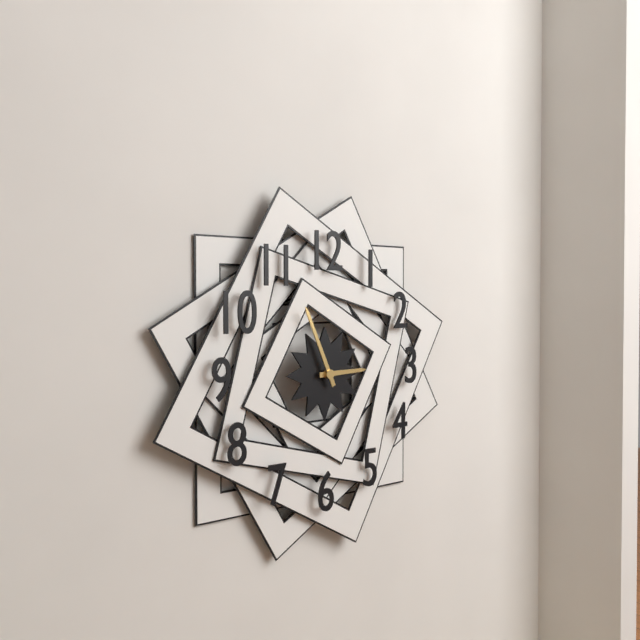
{"hour": 2, "minute": 56}
